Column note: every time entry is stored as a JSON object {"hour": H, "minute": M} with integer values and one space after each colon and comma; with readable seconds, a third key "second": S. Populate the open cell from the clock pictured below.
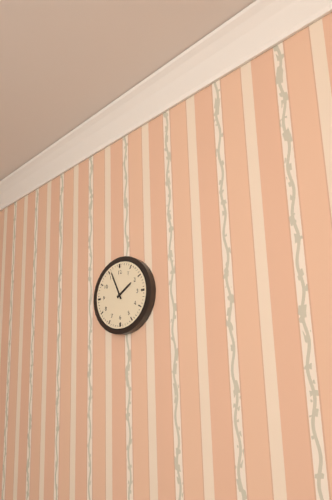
{"hour": 1, "minute": 56}
